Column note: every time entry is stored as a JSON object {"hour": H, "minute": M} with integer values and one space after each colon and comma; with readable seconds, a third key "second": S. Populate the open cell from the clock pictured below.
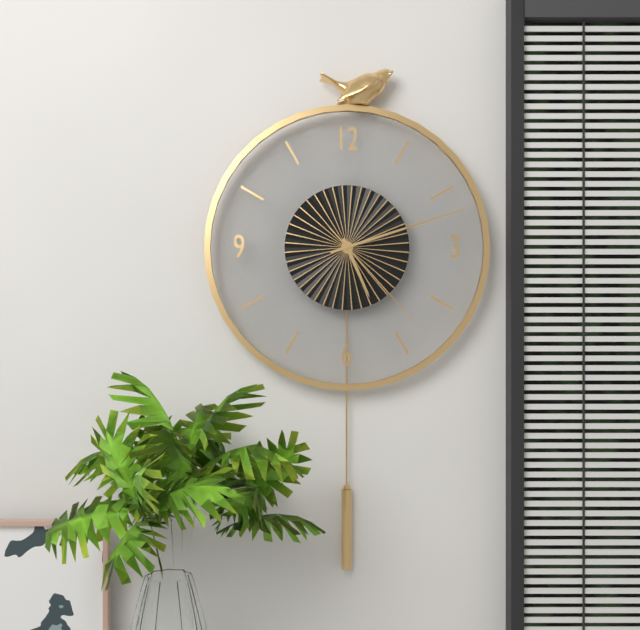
{"hour": 5, "minute": 12, "second": 23}
